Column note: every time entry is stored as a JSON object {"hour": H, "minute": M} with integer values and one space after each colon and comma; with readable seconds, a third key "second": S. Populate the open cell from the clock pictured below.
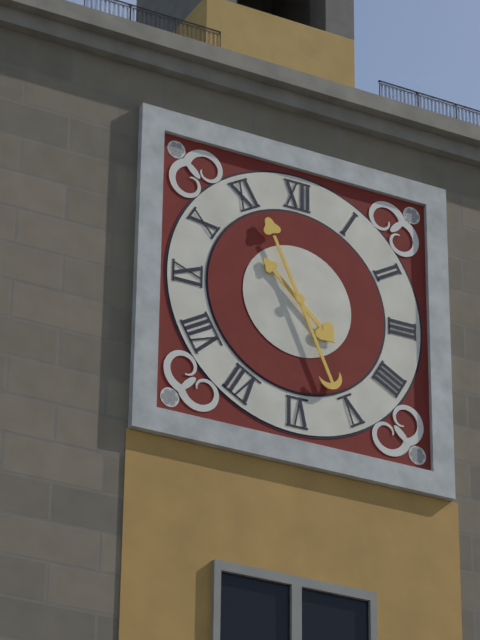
{"hour": 4, "minute": 26}
